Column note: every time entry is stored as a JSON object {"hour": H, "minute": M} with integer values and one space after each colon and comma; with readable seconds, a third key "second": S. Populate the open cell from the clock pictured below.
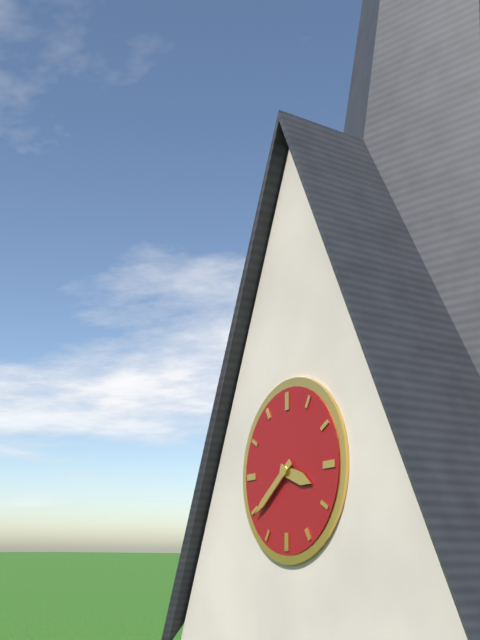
{"hour": 3, "minute": 39}
